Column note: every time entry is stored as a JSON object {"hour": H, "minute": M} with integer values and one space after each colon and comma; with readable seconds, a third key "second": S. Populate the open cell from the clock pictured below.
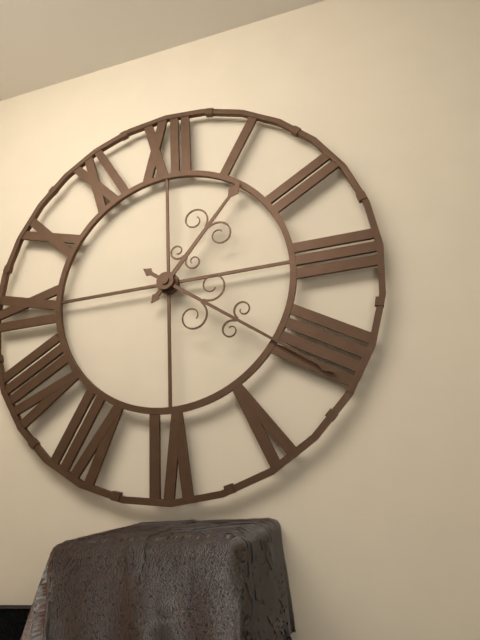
{"hour": 1, "minute": 21}
